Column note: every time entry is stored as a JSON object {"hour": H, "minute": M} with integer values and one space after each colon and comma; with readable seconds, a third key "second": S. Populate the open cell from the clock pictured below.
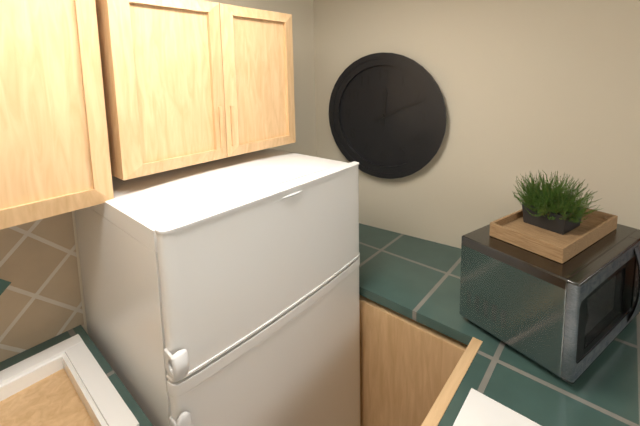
{"hour": 12, "minute": 11}
